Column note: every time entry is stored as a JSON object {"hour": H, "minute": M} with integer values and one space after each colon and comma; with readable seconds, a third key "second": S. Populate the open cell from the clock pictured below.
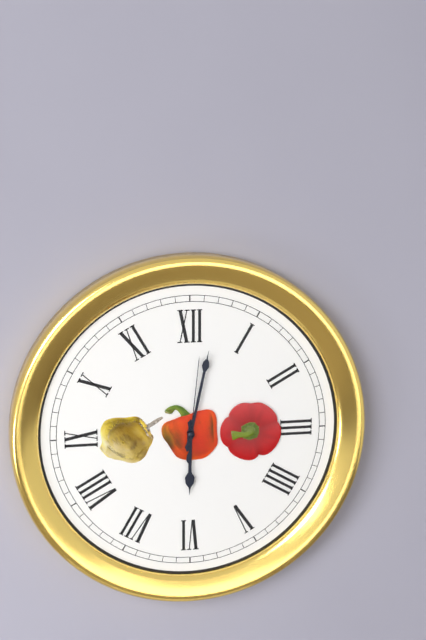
{"hour": 6, "minute": 2, "second": 1}
